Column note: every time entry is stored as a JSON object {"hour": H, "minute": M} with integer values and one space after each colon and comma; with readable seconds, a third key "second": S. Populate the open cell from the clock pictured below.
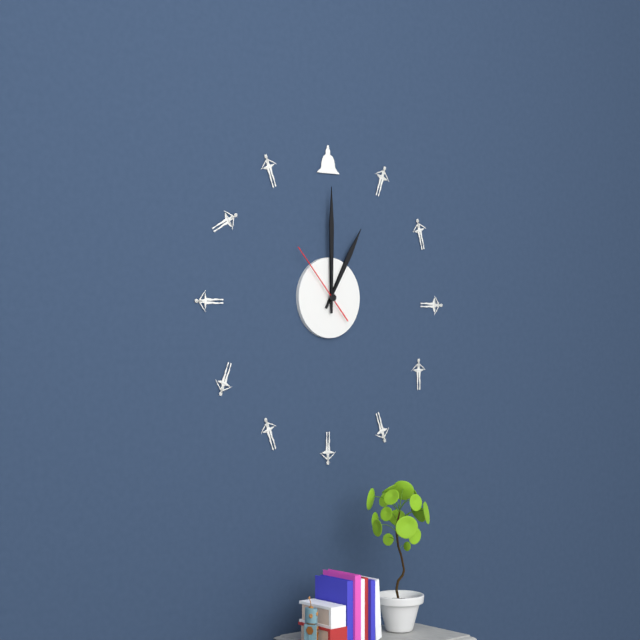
{"hour": 1, "minute": 0, "second": 53}
